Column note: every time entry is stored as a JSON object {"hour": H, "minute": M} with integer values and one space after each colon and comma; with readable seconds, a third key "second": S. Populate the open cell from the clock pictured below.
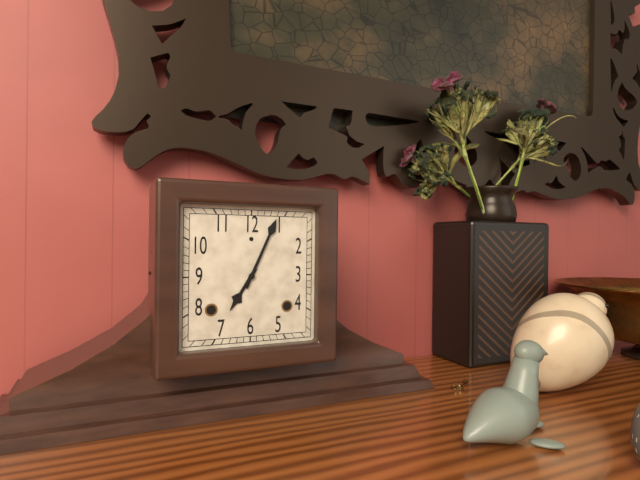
{"hour": 7, "minute": 4}
